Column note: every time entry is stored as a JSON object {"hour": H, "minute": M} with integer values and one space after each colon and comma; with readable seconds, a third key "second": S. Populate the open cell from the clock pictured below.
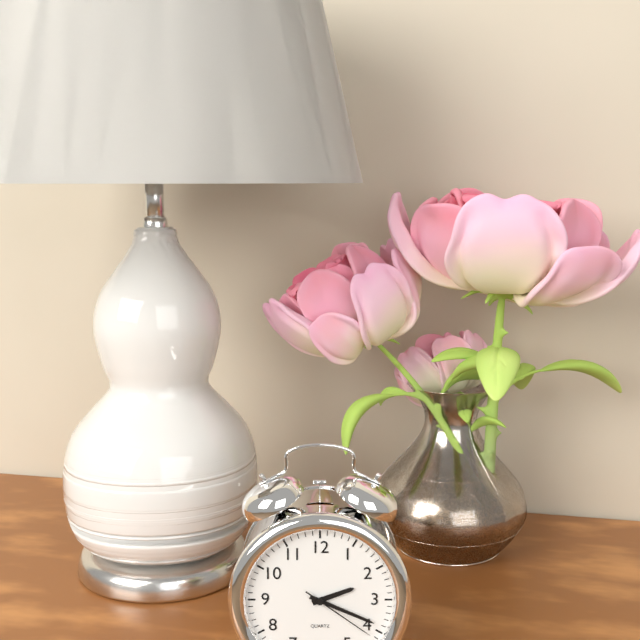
{"hour": 2, "minute": 19, "second": 21}
